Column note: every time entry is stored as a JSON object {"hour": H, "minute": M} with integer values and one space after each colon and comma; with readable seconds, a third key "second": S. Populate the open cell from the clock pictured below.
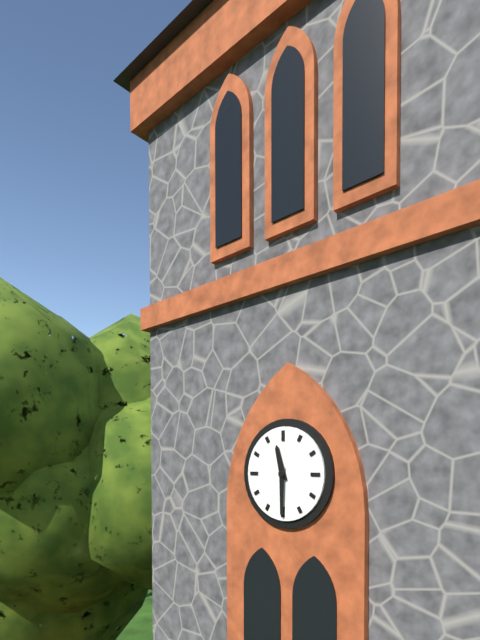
{"hour": 11, "minute": 30}
